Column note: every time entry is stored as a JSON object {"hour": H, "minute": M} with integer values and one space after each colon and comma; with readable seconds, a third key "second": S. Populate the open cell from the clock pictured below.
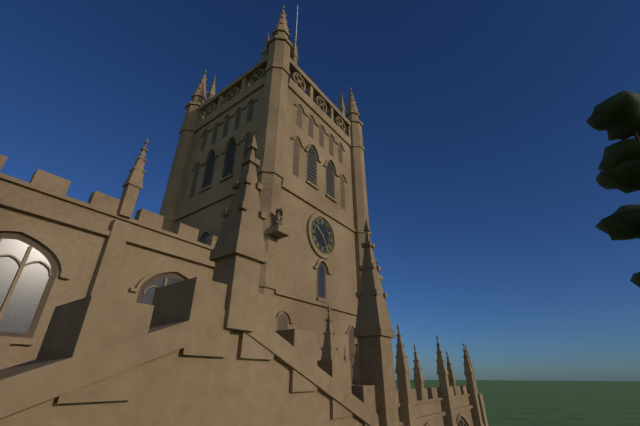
{"hour": 10, "minute": 24}
